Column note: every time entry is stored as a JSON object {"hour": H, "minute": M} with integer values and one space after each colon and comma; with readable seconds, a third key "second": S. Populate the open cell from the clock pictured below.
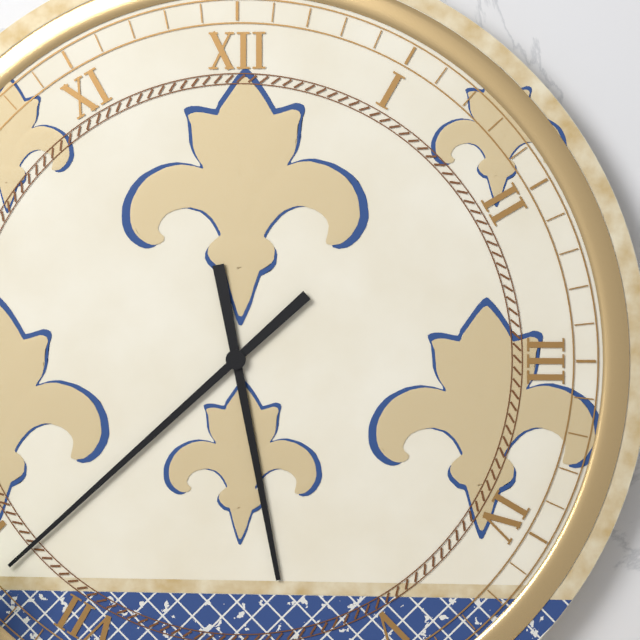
{"hour": 5, "minute": 38}
